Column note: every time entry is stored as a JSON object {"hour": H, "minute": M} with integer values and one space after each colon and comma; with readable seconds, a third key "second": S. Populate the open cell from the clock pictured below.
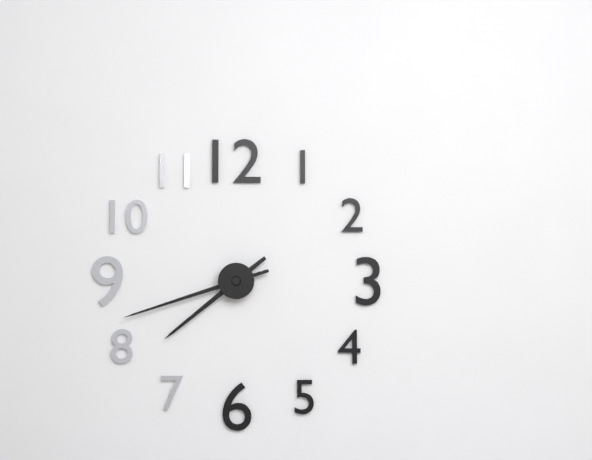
{"hour": 7, "minute": 42}
